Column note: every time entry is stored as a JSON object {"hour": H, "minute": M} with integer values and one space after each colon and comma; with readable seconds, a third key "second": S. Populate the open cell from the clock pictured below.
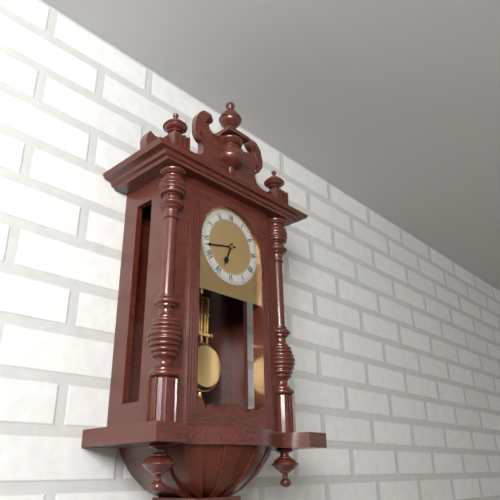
{"hour": 6, "minute": 43}
